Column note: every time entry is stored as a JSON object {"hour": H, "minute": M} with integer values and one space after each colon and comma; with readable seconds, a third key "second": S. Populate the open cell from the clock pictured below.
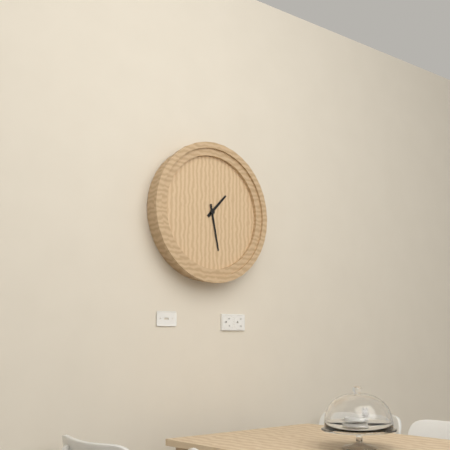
{"hour": 1, "minute": 28}
